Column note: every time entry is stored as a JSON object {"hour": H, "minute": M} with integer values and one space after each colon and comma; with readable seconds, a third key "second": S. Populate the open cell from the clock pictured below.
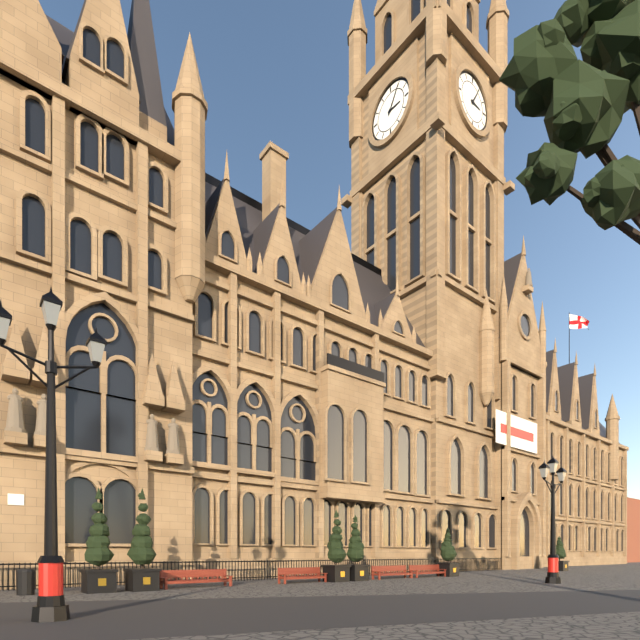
{"hour": 3, "minute": 5}
